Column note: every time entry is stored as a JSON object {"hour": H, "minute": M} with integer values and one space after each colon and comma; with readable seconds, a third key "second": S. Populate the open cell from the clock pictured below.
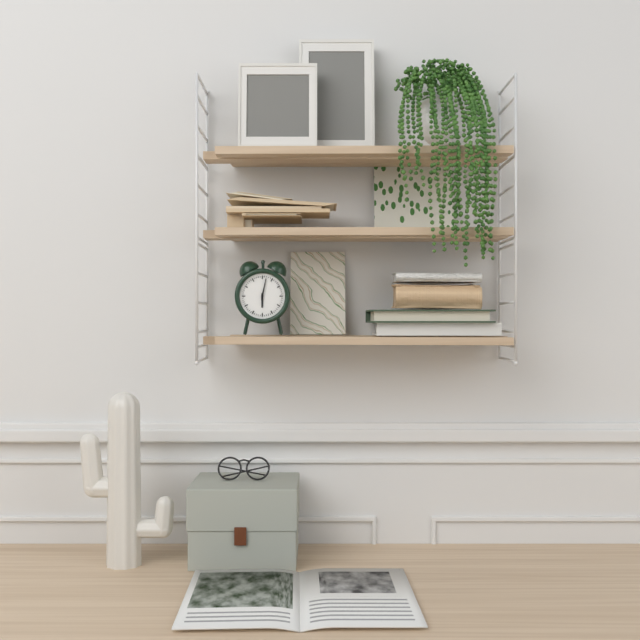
{"hour": 6, "minute": 2}
